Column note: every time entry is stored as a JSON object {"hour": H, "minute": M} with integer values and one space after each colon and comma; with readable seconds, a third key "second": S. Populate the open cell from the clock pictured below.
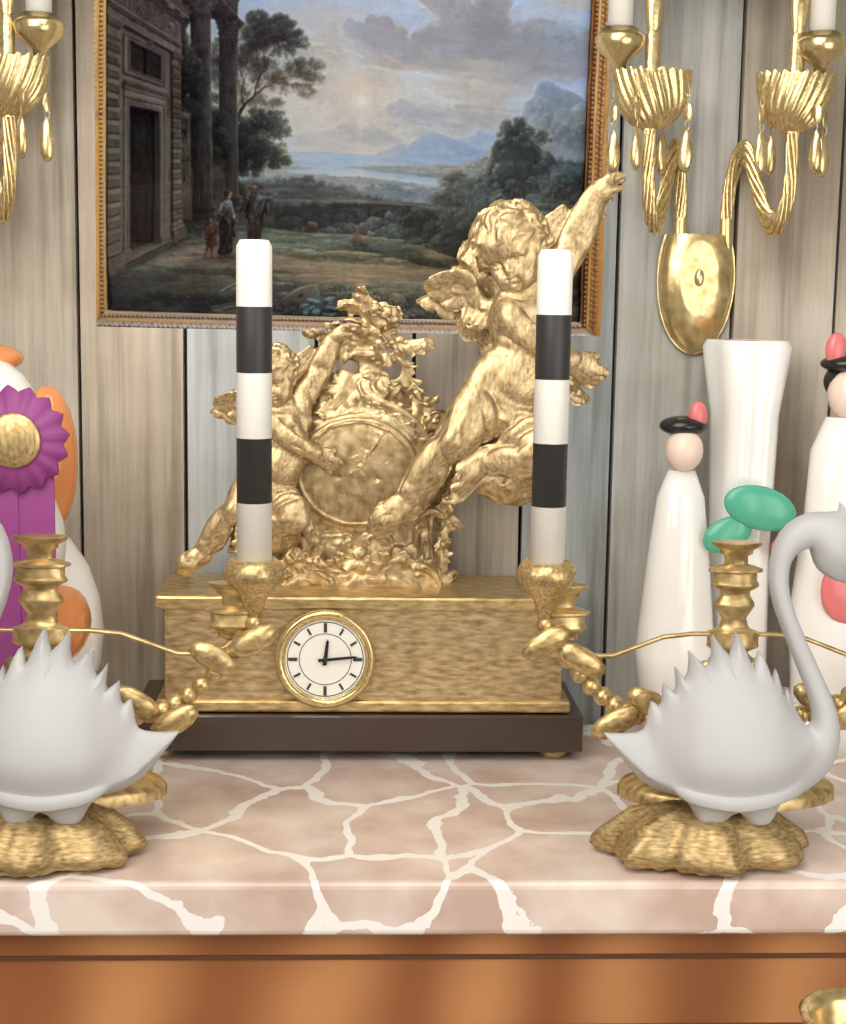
{"hour": 12, "minute": 14}
